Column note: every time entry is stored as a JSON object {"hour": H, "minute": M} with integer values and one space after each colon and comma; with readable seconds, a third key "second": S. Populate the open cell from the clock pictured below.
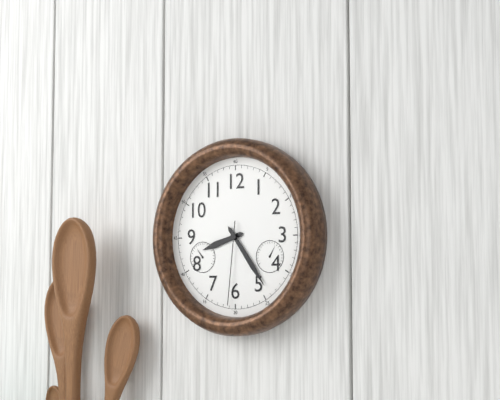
{"hour": 8, "minute": 24, "second": 31}
